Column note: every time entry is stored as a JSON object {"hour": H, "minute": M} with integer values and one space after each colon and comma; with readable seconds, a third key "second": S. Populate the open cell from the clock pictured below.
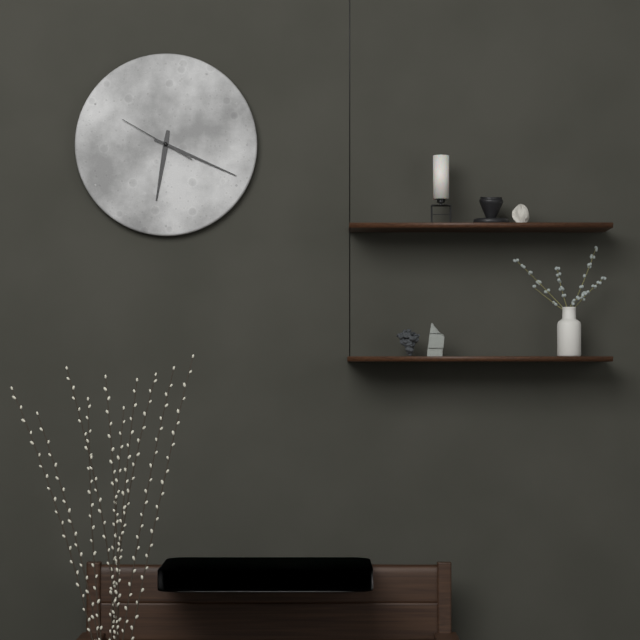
{"hour": 6, "minute": 19, "second": 50}
